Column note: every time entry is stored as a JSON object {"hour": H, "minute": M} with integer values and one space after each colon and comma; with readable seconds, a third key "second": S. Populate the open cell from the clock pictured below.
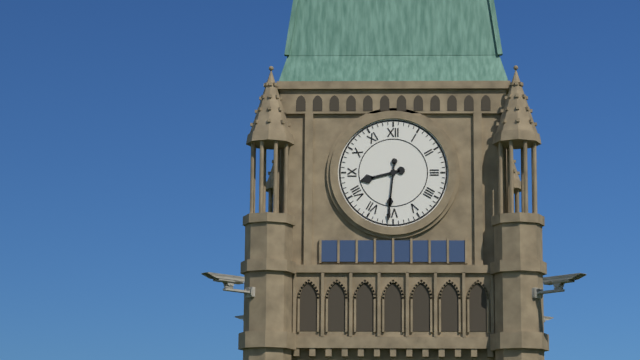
{"hour": 8, "minute": 31}
